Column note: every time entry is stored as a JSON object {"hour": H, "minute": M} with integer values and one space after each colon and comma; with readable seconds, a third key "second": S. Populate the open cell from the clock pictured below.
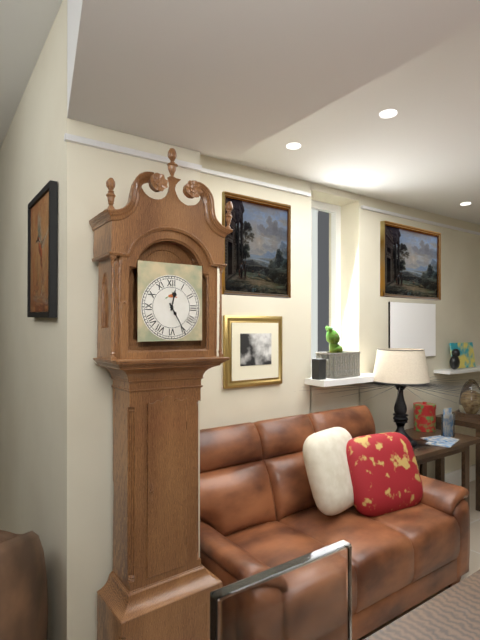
{"hour": 12, "minute": 25}
